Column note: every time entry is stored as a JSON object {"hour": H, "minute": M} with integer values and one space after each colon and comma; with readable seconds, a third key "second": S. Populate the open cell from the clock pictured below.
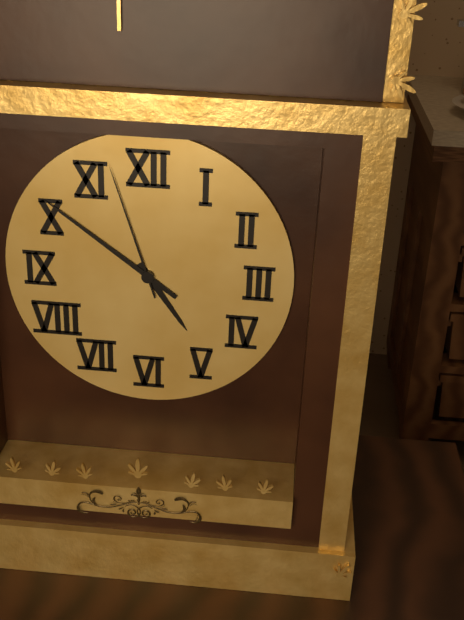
{"hour": 4, "minute": 51, "second": 57}
